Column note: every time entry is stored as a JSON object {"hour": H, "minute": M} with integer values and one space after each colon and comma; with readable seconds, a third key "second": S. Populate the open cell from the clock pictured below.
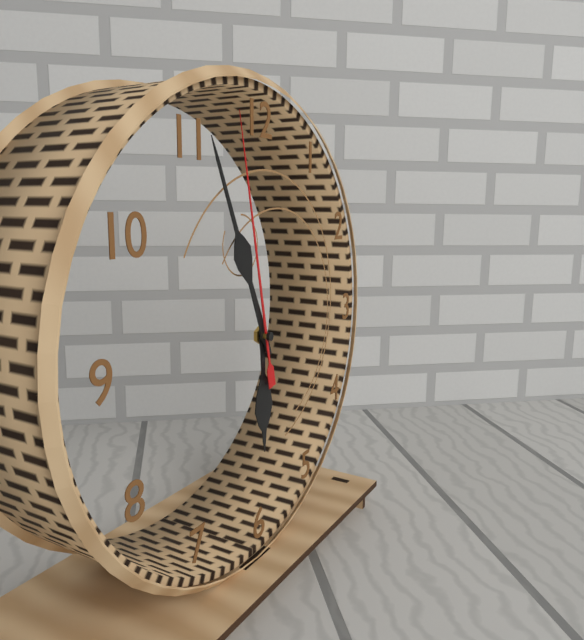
{"hour": 5, "minute": 56, "second": 58}
